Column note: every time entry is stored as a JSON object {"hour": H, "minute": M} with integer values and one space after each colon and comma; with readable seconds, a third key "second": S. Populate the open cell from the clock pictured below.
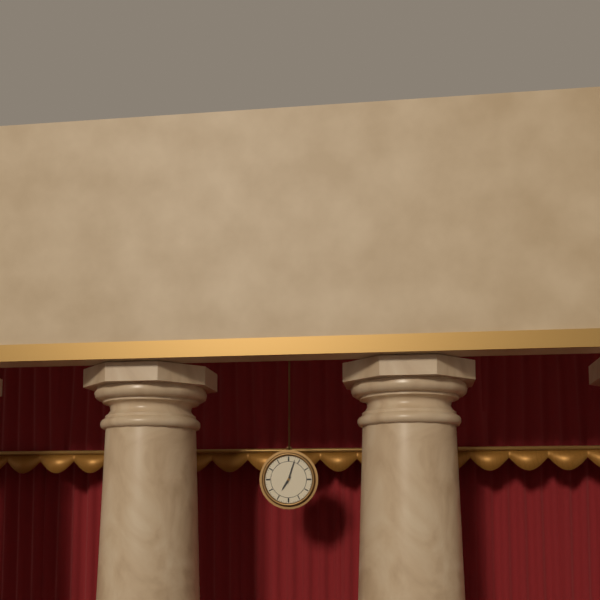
{"hour": 7, "minute": 3}
